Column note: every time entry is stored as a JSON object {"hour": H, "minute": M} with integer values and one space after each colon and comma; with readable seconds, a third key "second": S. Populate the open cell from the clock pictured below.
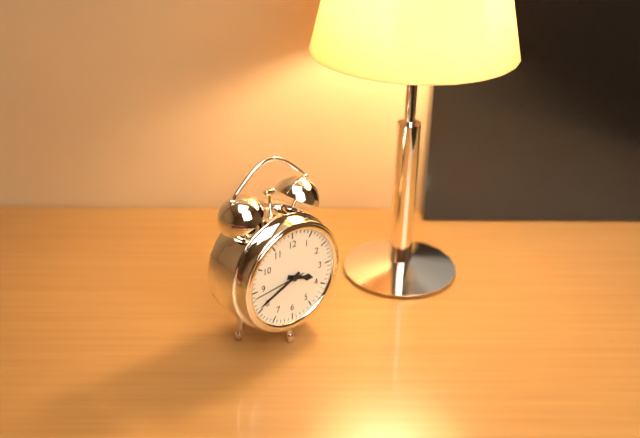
{"hour": 3, "minute": 41, "second": 44}
